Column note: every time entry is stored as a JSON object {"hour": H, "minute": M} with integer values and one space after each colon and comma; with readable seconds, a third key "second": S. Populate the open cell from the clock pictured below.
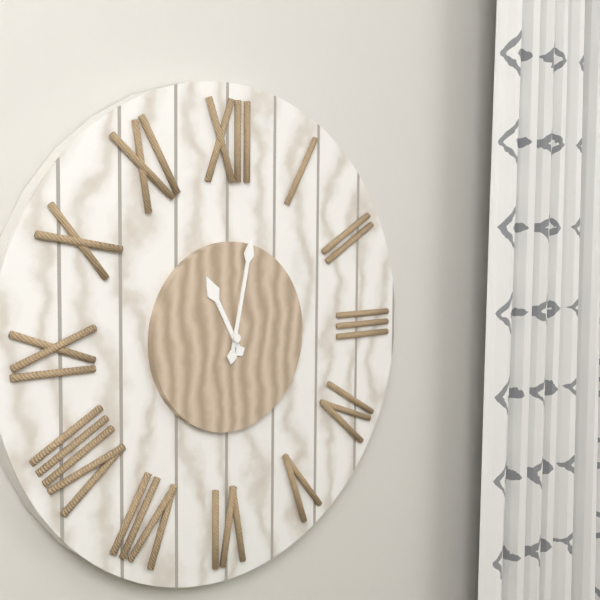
{"hour": 11, "minute": 2}
